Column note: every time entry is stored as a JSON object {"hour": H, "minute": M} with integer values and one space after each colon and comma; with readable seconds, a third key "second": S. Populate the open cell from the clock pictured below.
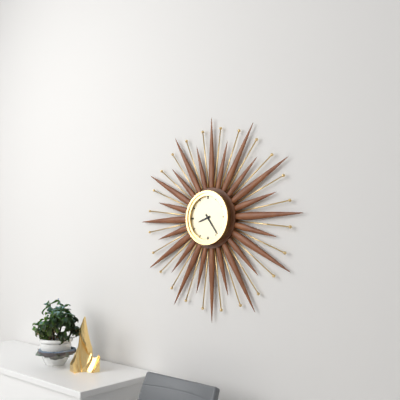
{"hour": 8, "minute": 24}
